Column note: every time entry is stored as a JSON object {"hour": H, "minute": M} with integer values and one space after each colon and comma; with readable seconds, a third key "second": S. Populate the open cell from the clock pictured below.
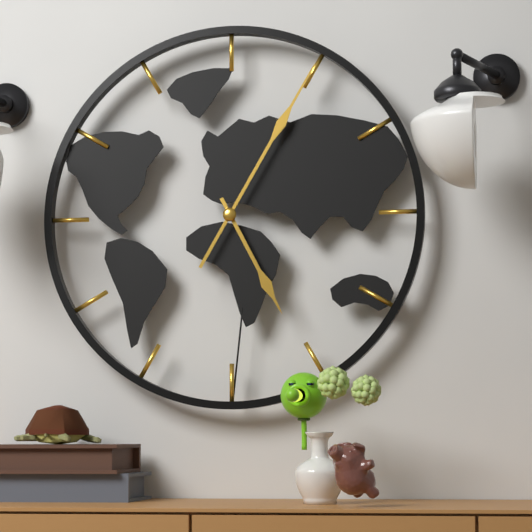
{"hour": 5, "minute": 5}
